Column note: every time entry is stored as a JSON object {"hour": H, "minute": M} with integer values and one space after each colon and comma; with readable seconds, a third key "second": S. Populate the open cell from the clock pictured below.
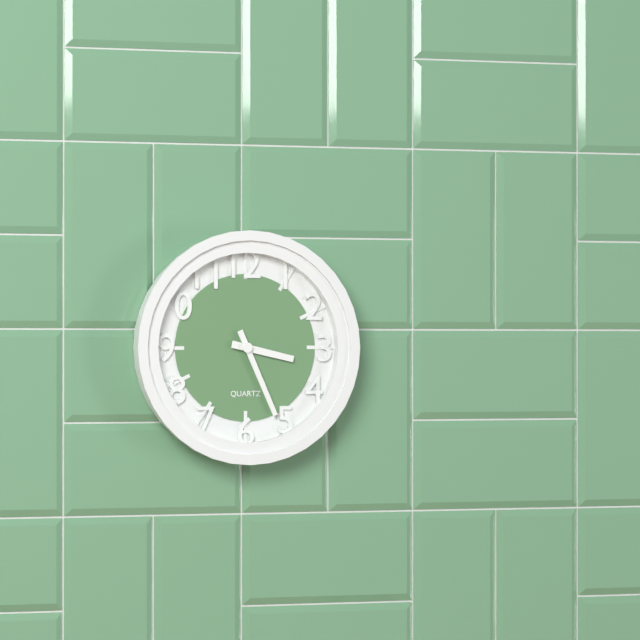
{"hour": 3, "minute": 26}
